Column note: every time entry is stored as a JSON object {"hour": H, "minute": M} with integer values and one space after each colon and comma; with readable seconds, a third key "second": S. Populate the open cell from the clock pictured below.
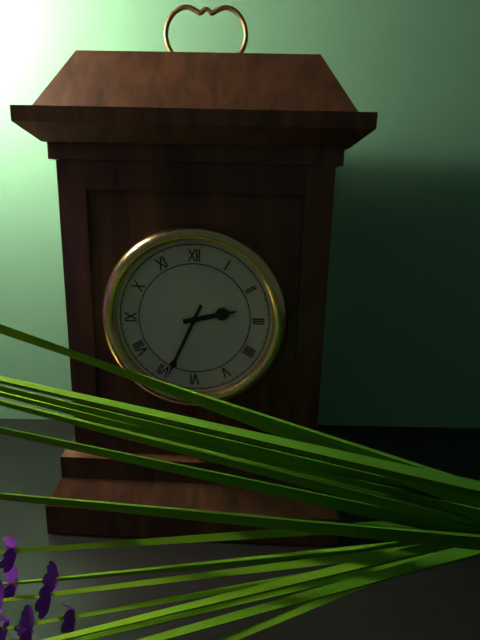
{"hour": 2, "minute": 34}
